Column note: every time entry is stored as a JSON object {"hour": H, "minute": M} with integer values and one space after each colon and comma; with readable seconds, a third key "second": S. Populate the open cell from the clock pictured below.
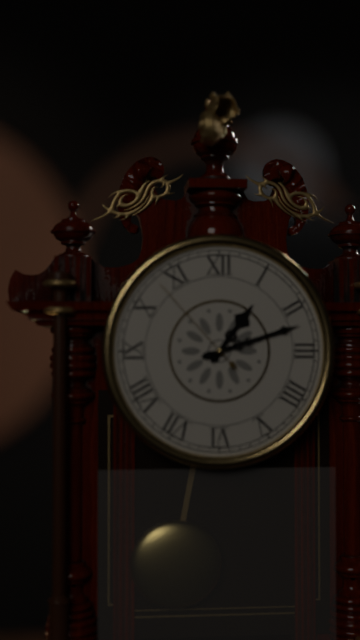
{"hour": 1, "minute": 12, "second": 53}
